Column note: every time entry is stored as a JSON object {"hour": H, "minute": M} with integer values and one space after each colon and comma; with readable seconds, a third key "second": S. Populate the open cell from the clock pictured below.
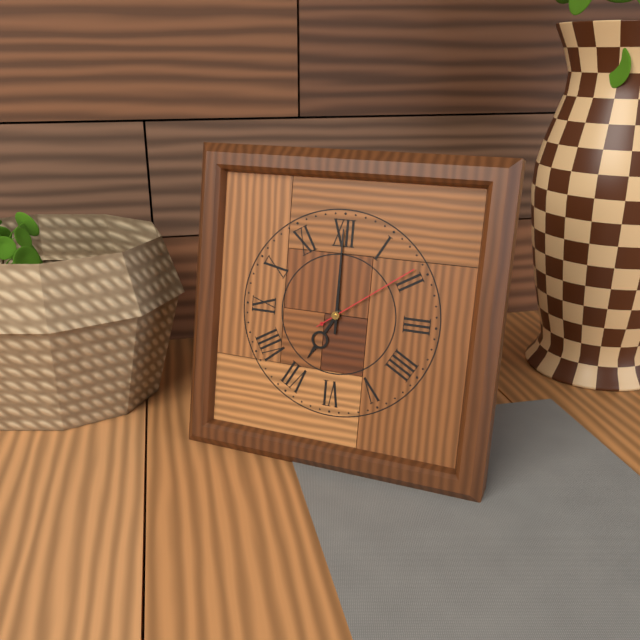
{"hour": 7, "minute": 0, "second": 9}
